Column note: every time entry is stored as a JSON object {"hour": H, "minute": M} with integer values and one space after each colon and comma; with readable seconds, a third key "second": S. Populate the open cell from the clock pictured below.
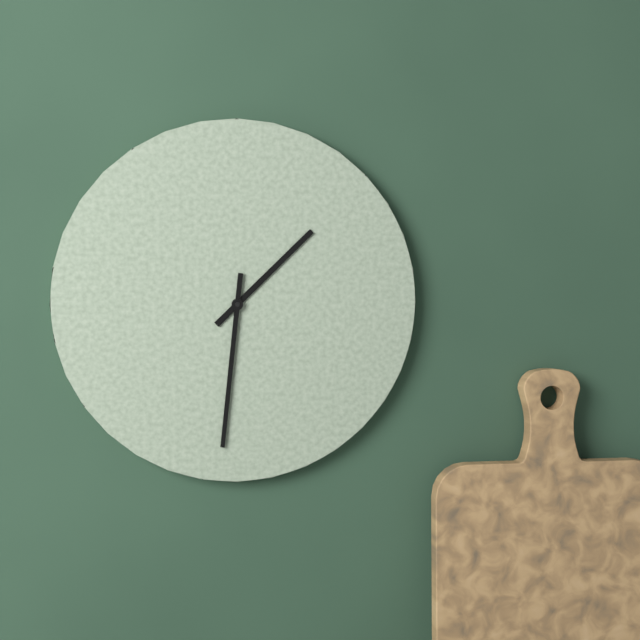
{"hour": 1, "minute": 31}
